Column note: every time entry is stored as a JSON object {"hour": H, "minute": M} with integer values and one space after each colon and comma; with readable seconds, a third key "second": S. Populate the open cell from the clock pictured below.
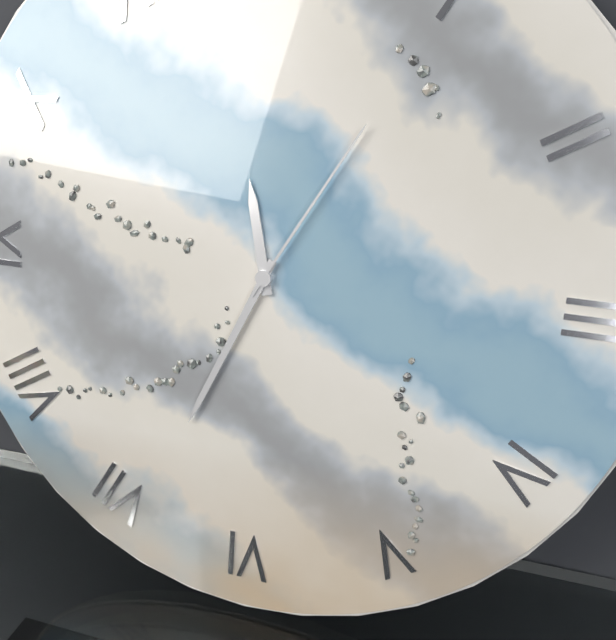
{"hour": 11, "minute": 34, "second": 5}
